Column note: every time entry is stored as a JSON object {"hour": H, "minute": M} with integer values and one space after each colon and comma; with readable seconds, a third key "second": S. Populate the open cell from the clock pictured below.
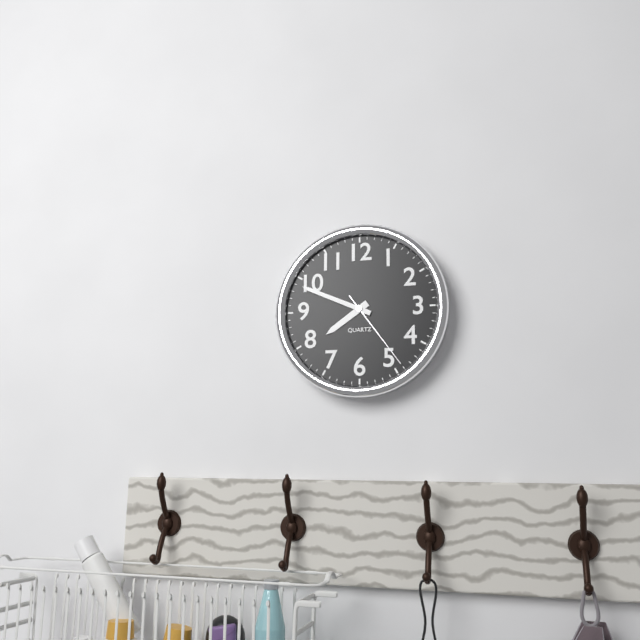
{"hour": 7, "minute": 49, "second": 24}
